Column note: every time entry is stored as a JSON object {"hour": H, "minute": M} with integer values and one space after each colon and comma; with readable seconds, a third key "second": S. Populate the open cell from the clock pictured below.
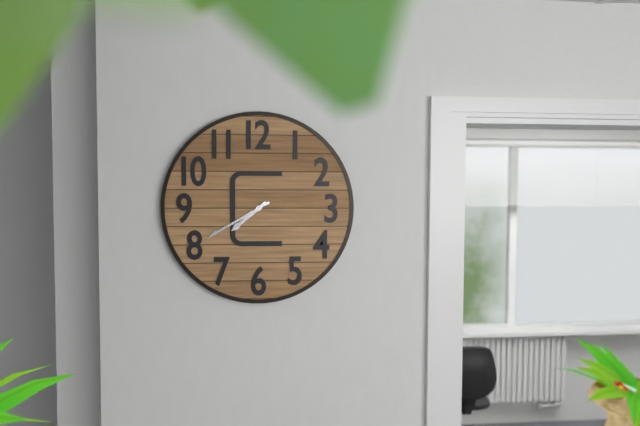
{"hour": 7, "minute": 40}
